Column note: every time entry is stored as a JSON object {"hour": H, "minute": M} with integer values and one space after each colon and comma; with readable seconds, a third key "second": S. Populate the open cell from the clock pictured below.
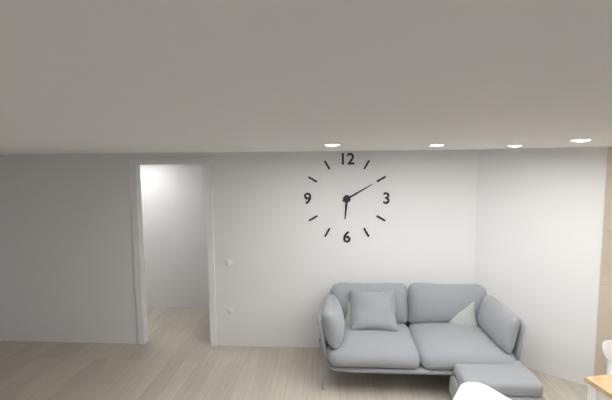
{"hour": 6, "minute": 10}
